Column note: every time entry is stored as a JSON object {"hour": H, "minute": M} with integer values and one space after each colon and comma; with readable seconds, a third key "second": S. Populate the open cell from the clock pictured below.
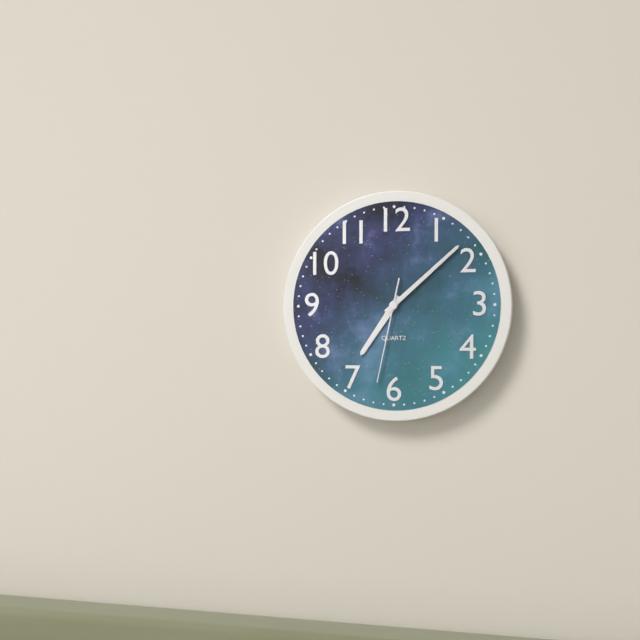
{"hour": 7, "minute": 8, "second": 32}
